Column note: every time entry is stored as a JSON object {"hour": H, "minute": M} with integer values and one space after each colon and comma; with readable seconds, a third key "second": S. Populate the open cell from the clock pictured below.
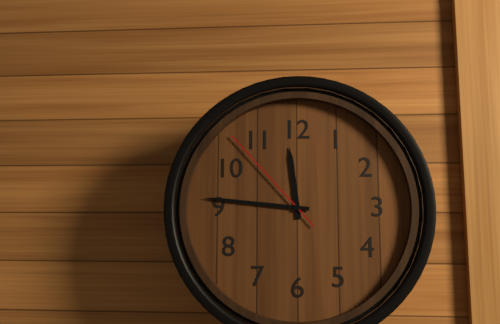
{"hour": 11, "minute": 46, "second": 53}
